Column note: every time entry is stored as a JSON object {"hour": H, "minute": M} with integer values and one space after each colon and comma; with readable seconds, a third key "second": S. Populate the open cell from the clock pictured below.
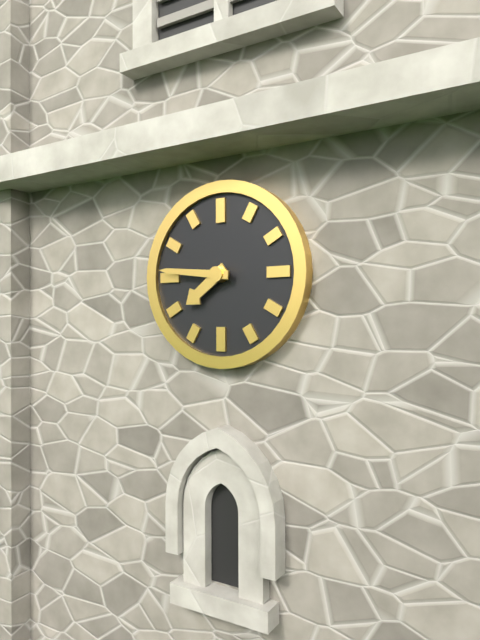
{"hour": 7, "minute": 46}
